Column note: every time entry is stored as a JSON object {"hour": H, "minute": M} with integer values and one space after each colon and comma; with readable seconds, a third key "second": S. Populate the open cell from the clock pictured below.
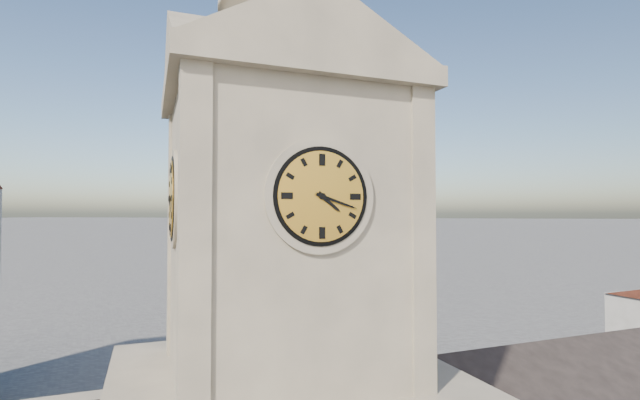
{"hour": 4, "minute": 18}
